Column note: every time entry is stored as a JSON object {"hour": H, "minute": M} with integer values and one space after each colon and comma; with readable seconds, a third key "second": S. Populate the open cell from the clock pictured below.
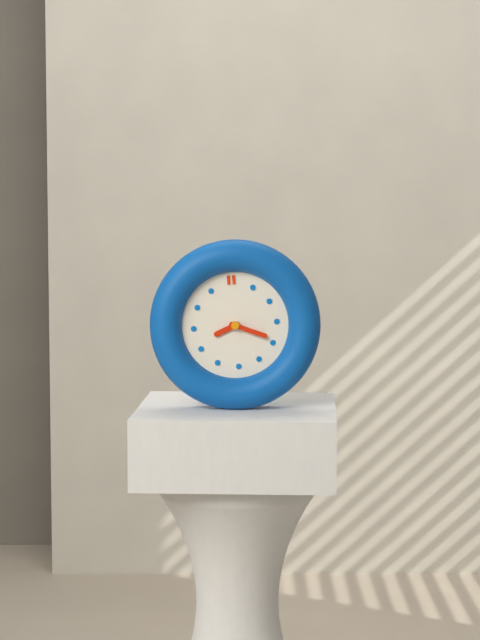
{"hour": 8, "minute": 19}
